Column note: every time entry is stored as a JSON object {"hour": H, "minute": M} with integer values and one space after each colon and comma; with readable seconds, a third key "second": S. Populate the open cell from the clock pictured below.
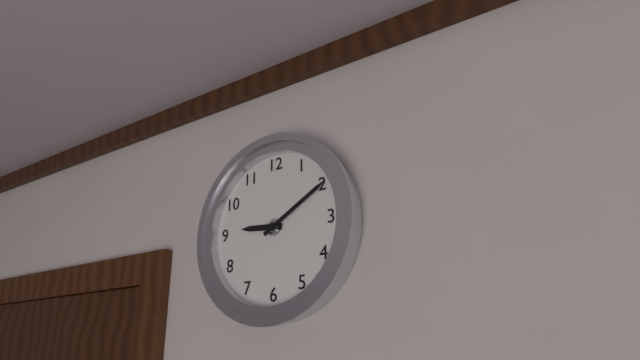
{"hour": 9, "minute": 10}
